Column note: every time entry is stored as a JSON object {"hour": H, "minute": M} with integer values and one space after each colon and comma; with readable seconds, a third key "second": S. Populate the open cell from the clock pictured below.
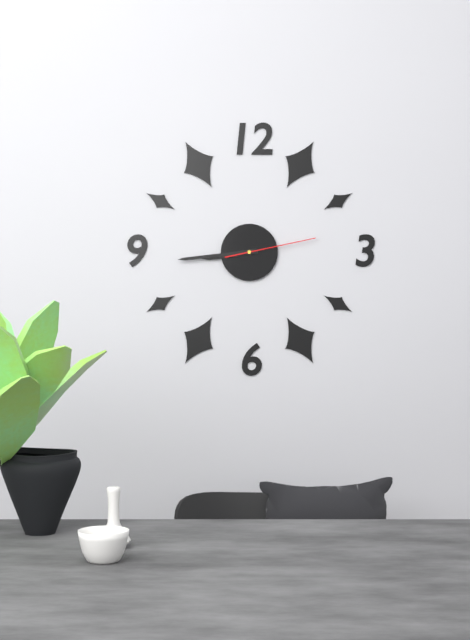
{"hour": 8, "minute": 44, "second": 13}
